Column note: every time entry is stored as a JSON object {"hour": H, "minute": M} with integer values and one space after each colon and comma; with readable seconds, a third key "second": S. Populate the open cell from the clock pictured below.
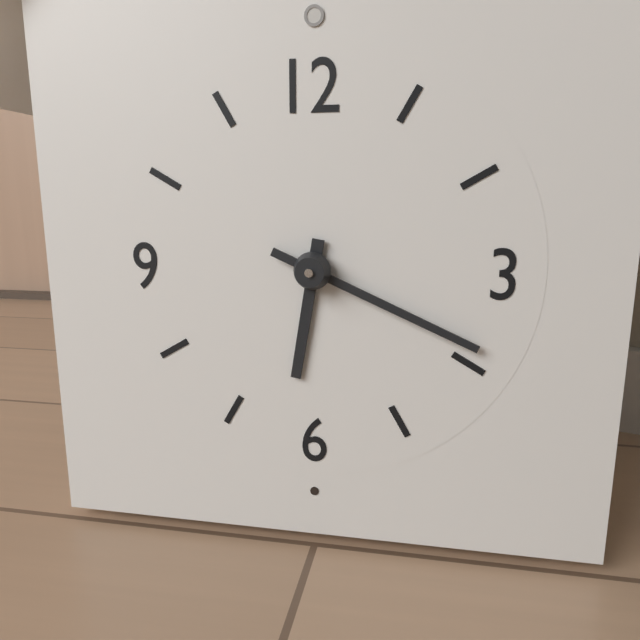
{"hour": 6, "minute": 19}
